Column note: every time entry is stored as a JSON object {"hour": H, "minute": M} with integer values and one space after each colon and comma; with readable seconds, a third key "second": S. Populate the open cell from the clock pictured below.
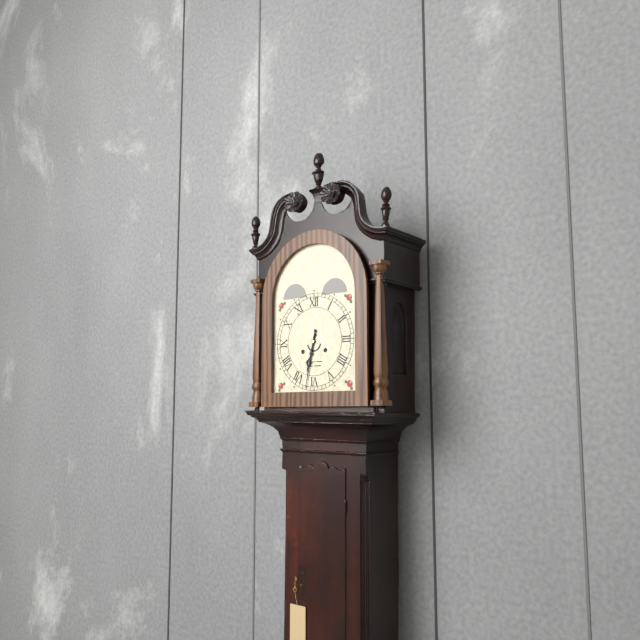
{"hour": 6, "minute": 32}
